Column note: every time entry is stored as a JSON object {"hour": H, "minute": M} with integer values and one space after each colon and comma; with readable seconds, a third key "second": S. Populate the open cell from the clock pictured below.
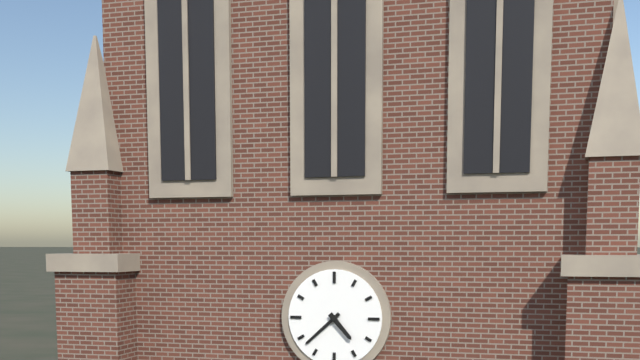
{"hour": 4, "minute": 38}
